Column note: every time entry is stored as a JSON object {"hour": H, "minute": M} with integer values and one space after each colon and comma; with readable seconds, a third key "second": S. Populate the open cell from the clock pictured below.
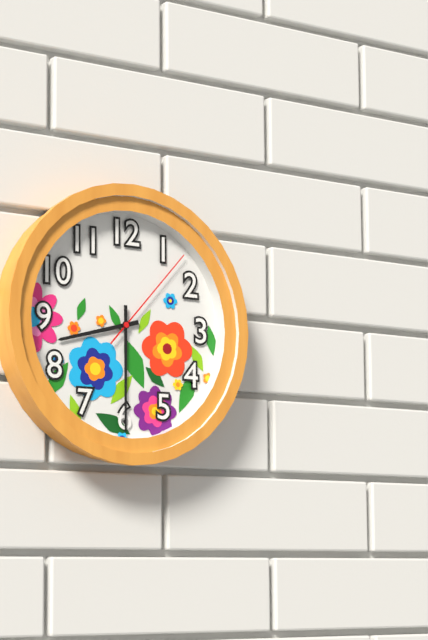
{"hour": 8, "minute": 30, "second": 7}
